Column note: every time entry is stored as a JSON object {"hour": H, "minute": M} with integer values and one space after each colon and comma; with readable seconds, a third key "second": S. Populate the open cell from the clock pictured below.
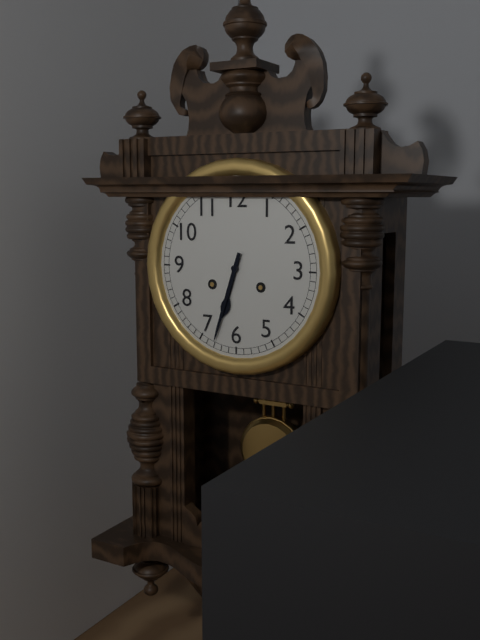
{"hour": 6, "minute": 33}
